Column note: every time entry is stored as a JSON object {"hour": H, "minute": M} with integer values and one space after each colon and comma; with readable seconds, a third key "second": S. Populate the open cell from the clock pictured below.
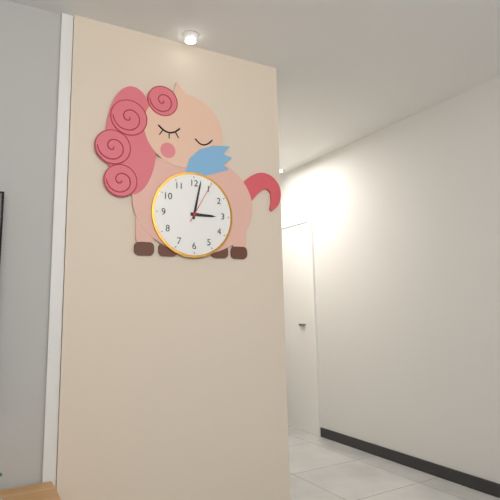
{"hour": 3, "minute": 2}
